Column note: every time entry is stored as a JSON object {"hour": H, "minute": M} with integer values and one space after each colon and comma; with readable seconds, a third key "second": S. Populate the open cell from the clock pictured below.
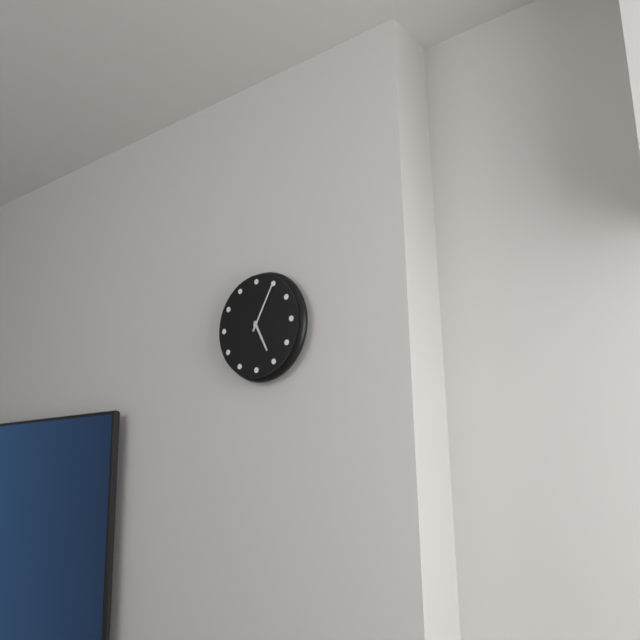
{"hour": 5, "minute": 5}
